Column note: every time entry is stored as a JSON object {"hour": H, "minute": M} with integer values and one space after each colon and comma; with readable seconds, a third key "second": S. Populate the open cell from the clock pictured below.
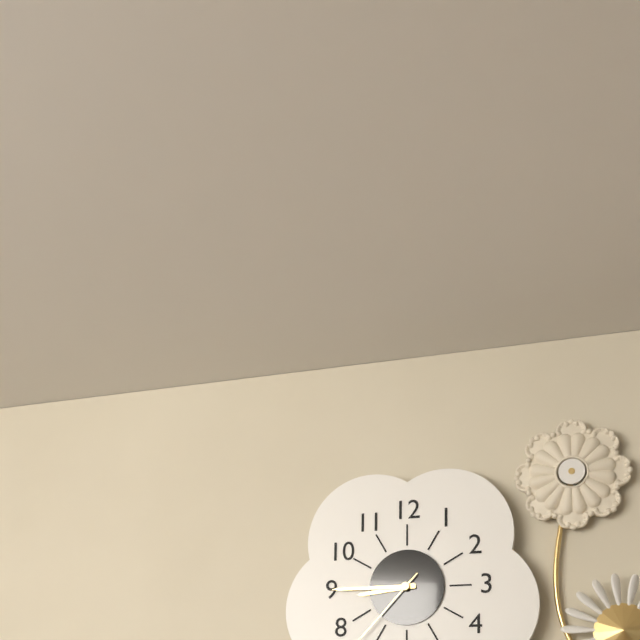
{"hour": 8, "minute": 45}
